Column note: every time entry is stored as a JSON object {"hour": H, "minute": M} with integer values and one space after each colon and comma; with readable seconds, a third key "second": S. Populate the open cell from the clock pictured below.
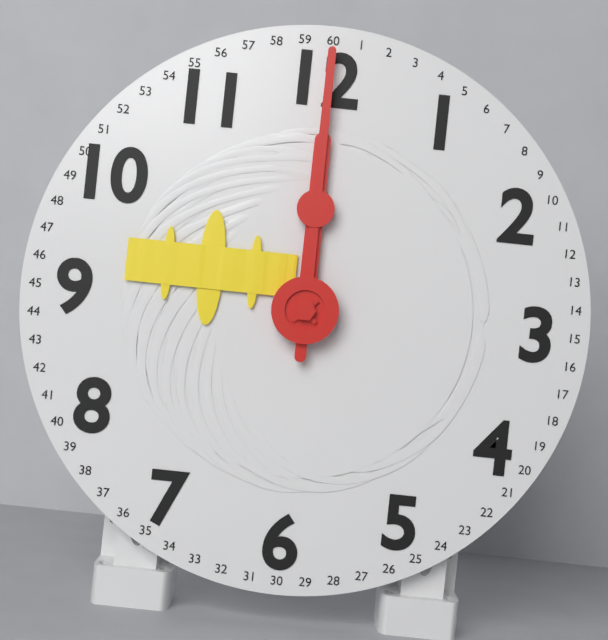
{"hour": 12, "minute": 0}
